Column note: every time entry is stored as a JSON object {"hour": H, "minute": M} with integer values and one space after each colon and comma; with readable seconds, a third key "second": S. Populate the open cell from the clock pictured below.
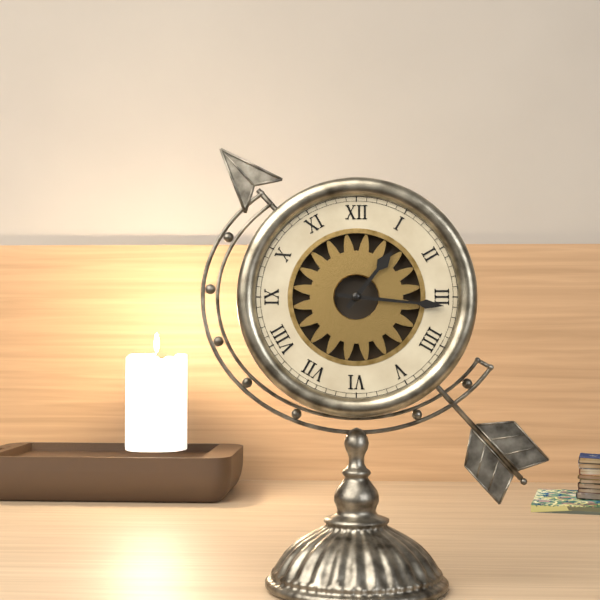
{"hour": 1, "minute": 16}
